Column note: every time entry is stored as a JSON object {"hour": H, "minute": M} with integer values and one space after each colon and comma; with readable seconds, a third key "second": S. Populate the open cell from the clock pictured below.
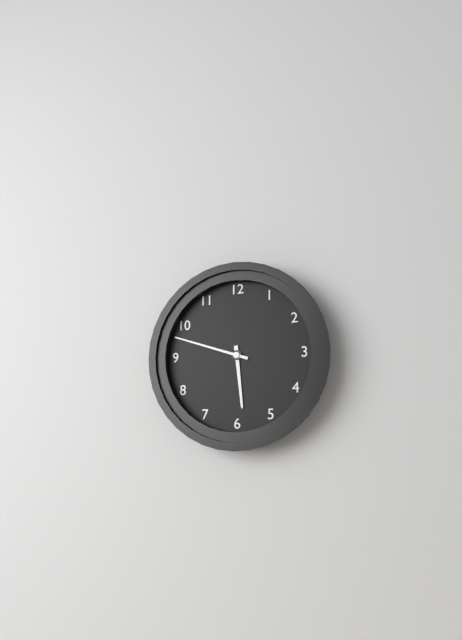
{"hour": 5, "minute": 48}
